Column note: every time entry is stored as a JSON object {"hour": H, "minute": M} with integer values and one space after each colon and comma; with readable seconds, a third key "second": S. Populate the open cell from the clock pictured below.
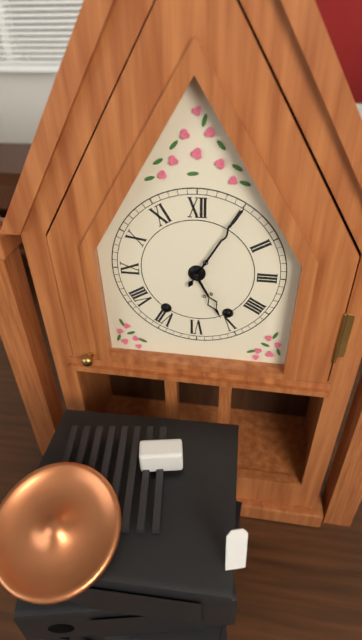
{"hour": 5, "minute": 5}
